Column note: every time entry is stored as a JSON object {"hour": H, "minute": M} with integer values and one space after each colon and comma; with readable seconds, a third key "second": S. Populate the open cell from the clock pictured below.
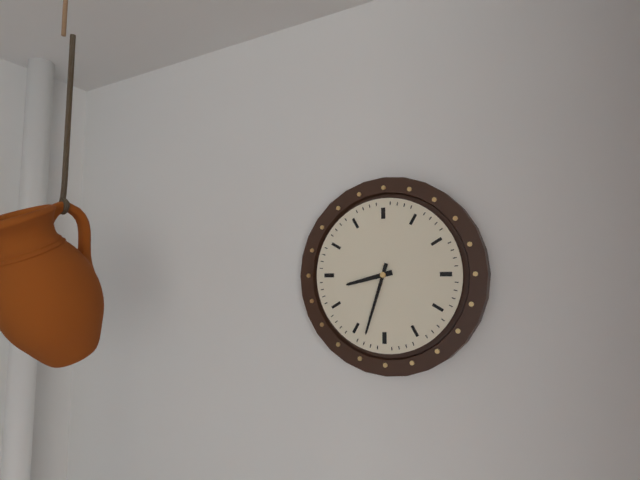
{"hour": 8, "minute": 33}
